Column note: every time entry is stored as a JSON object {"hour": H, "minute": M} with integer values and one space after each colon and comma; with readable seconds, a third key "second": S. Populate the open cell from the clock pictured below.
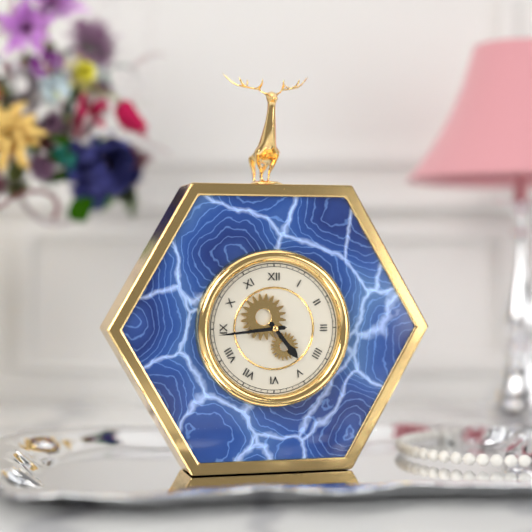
{"hour": 4, "minute": 44}
